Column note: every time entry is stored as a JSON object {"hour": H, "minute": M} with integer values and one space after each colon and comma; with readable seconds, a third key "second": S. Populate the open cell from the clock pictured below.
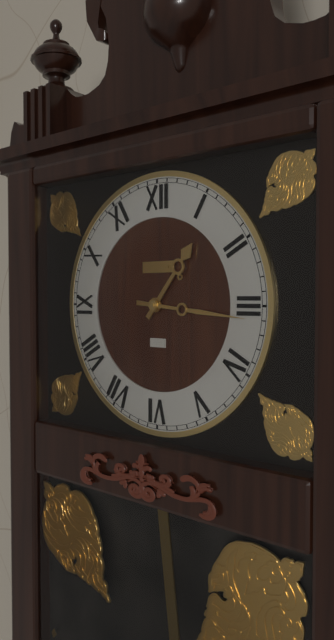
{"hour": 1, "minute": 16}
